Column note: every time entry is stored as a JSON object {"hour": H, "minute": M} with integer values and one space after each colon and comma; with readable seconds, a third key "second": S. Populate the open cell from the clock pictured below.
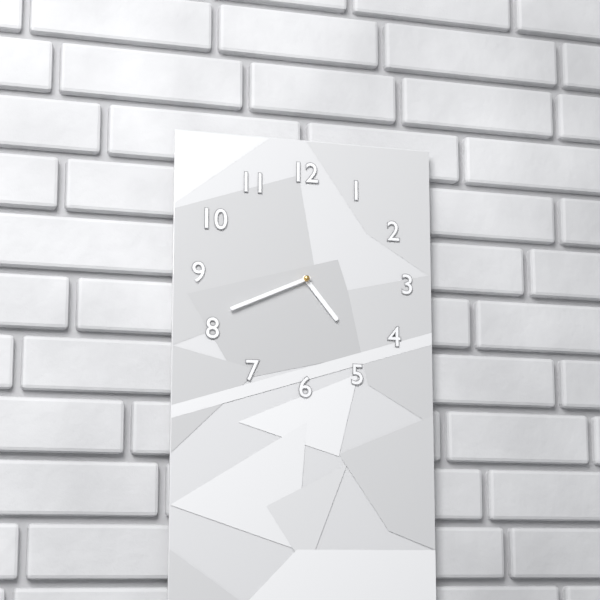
{"hour": 4, "minute": 41}
